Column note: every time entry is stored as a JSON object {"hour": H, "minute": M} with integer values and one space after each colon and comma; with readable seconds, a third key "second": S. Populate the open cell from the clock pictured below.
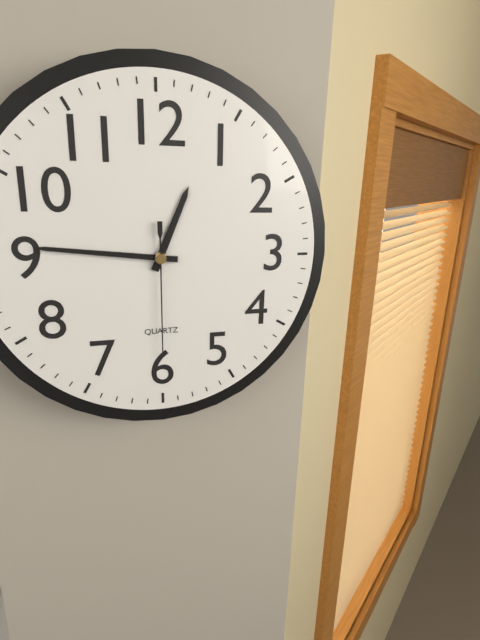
{"hour": 12, "minute": 46, "second": 30}
